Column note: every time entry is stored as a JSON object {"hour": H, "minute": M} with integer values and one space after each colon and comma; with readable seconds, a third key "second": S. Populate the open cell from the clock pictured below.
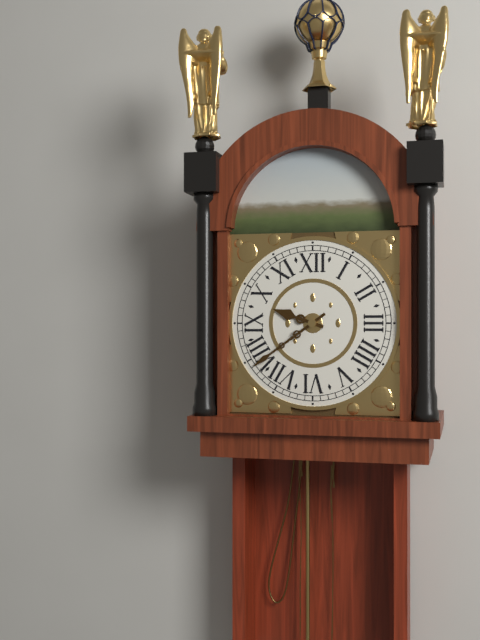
{"hour": 9, "minute": 39}
